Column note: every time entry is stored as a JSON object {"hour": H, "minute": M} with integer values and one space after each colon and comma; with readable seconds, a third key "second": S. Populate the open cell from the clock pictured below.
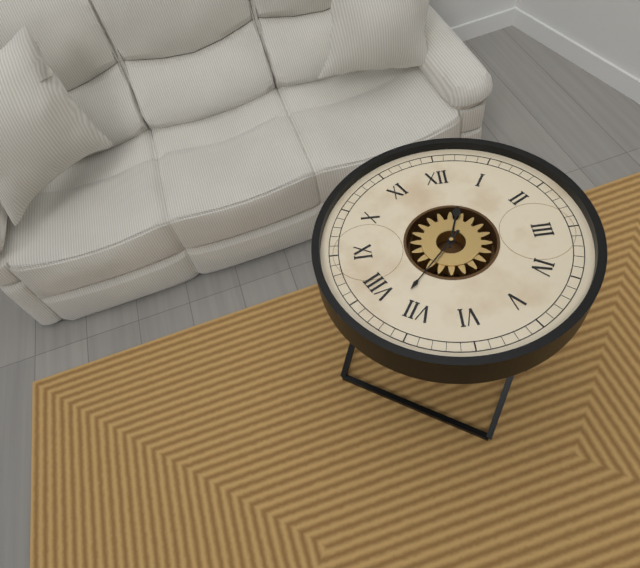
{"hour": 12, "minute": 37}
